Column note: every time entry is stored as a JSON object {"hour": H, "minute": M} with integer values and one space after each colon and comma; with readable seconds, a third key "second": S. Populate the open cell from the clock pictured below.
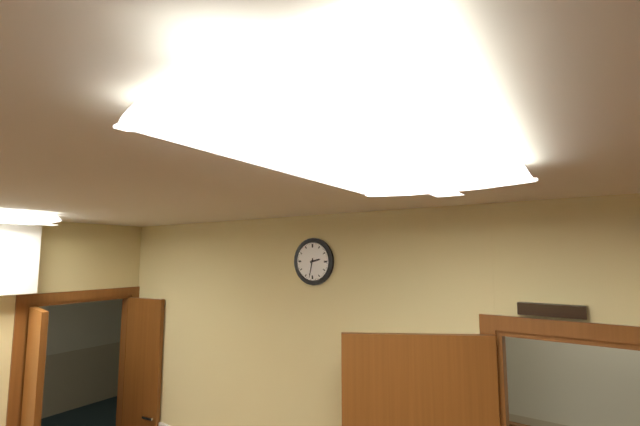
{"hour": 2, "minute": 32}
